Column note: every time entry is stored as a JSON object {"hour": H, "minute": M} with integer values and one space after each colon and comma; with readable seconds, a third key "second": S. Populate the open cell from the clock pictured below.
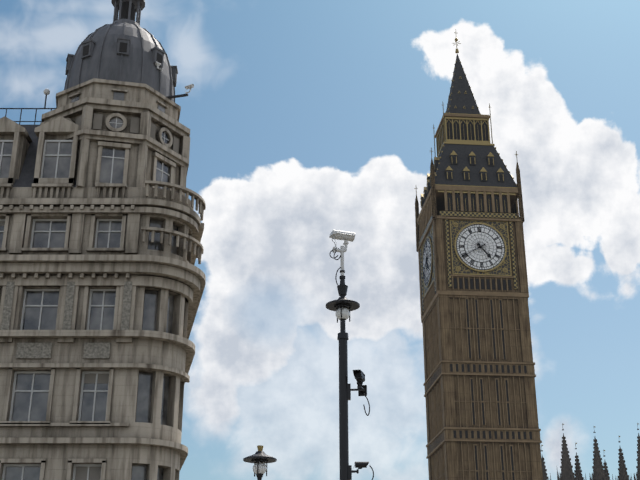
{"hour": 4, "minute": 40}
